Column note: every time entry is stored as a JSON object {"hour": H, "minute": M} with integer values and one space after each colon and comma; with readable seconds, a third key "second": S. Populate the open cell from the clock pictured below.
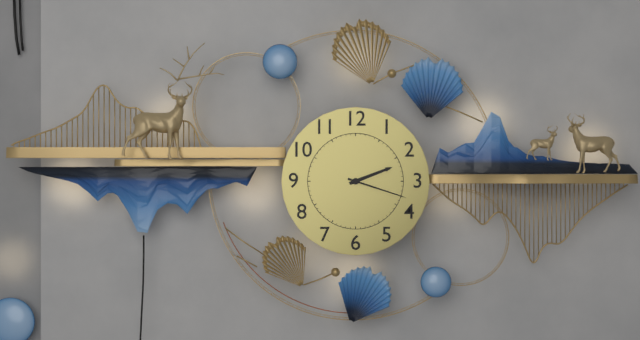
{"hour": 2, "minute": 18}
